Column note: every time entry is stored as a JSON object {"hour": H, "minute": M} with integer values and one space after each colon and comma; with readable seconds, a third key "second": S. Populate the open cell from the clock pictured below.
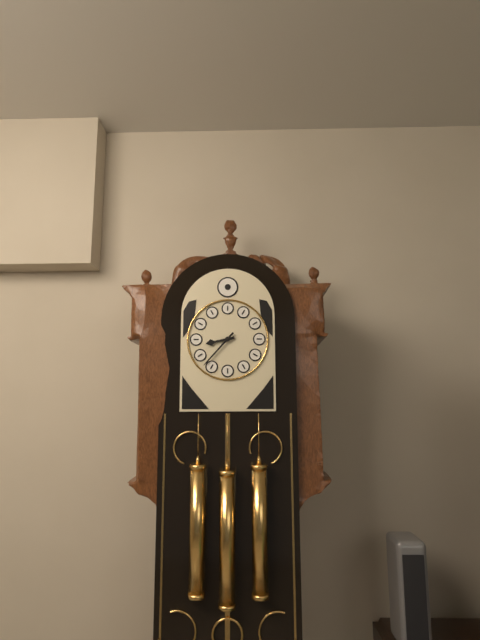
{"hour": 8, "minute": 37}
